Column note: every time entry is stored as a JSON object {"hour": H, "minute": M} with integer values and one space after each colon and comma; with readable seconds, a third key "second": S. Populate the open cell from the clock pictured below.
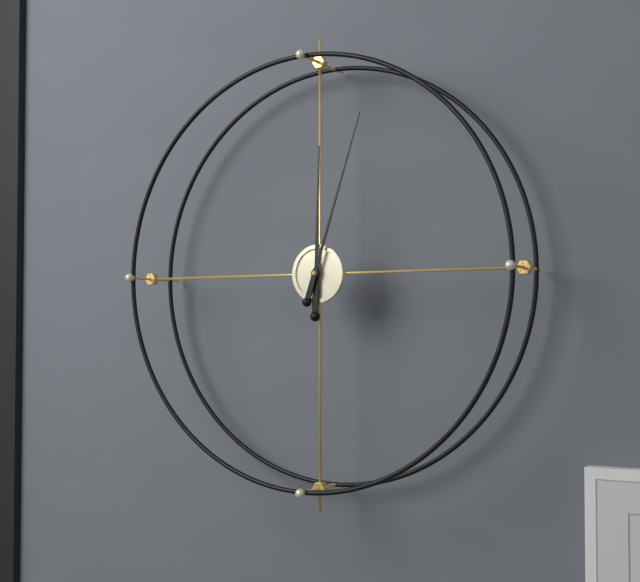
{"hour": 12, "minute": 3}
